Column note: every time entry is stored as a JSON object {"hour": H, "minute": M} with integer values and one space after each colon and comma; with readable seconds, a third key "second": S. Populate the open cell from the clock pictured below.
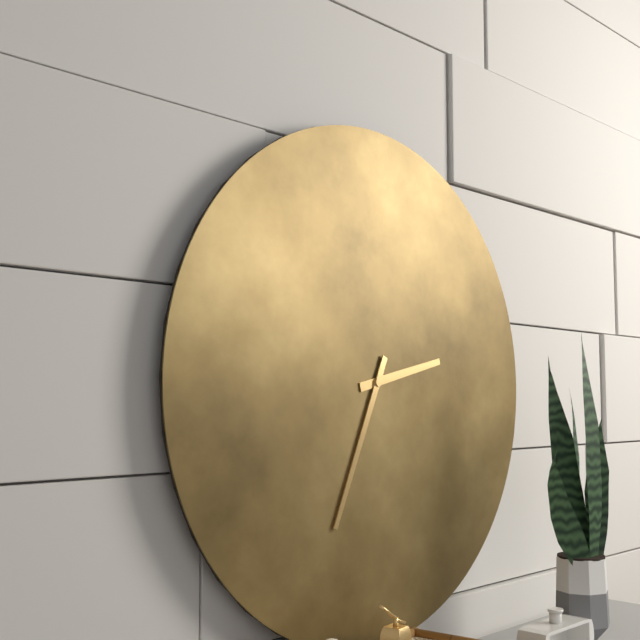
{"hour": 2, "minute": 34}
